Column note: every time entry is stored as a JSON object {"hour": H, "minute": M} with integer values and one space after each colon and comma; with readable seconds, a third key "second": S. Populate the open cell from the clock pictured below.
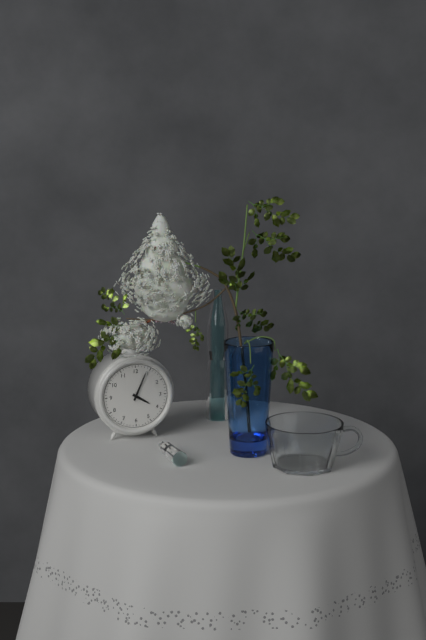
{"hour": 4, "minute": 4}
